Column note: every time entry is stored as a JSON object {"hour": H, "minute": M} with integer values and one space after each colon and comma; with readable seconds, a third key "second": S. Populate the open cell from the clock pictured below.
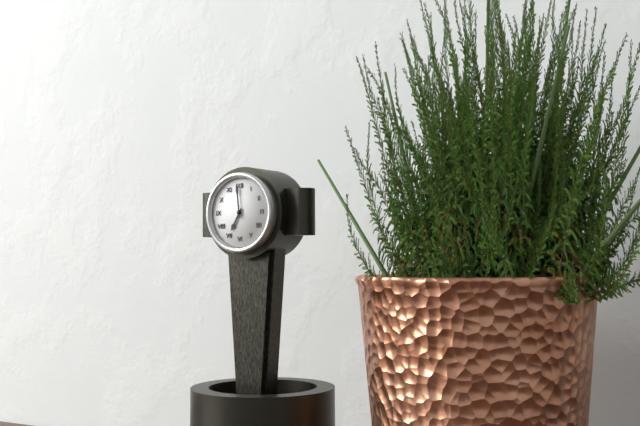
{"hour": 6, "minute": 59}
